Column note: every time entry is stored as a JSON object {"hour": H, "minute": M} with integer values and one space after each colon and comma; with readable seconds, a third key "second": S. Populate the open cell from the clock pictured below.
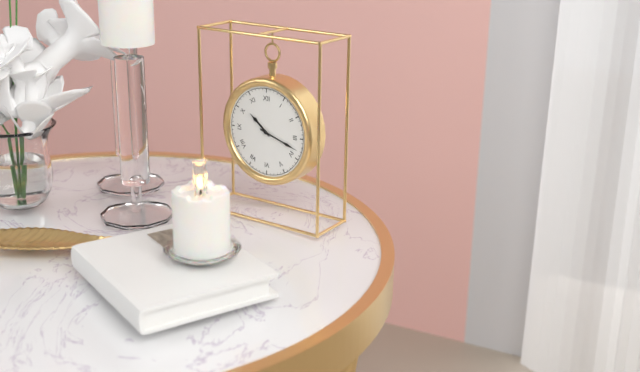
{"hour": 10, "minute": 18}
